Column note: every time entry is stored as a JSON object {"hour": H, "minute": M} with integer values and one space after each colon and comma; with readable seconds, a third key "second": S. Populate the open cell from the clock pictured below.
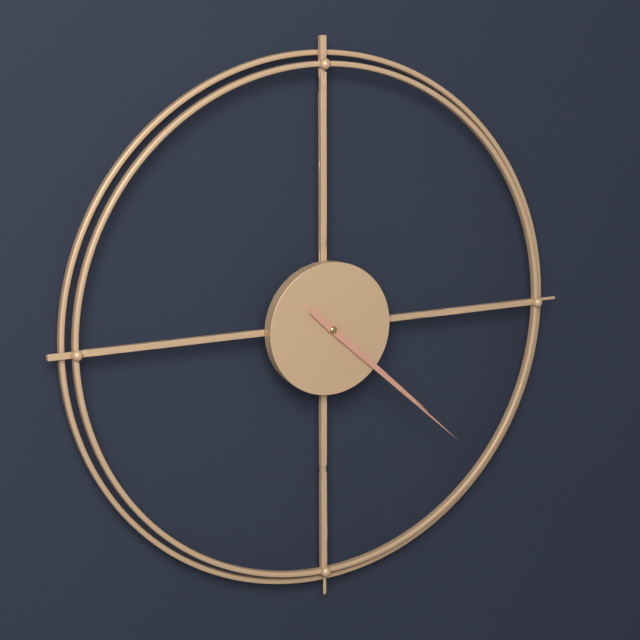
{"hour": 4, "minute": 22}
